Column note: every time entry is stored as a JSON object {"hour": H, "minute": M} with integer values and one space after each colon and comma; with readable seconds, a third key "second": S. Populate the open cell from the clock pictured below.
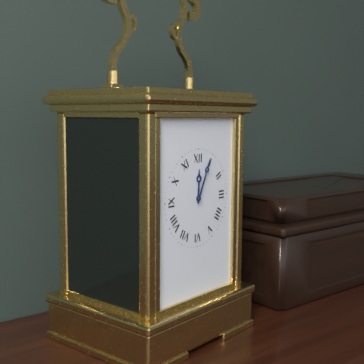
{"hour": 12, "minute": 4}
